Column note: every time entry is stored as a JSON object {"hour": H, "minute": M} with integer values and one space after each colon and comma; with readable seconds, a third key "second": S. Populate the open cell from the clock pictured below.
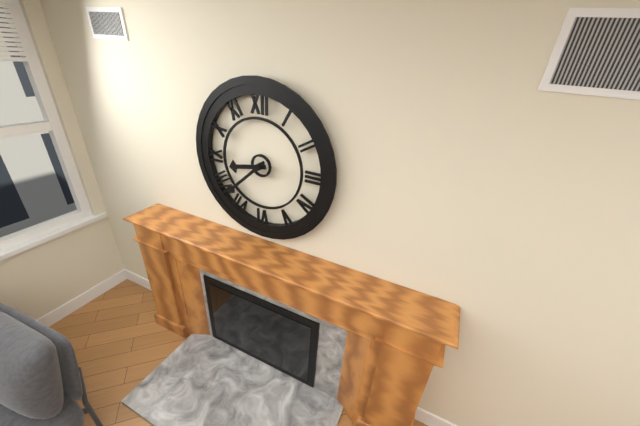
{"hour": 8, "minute": 38}
